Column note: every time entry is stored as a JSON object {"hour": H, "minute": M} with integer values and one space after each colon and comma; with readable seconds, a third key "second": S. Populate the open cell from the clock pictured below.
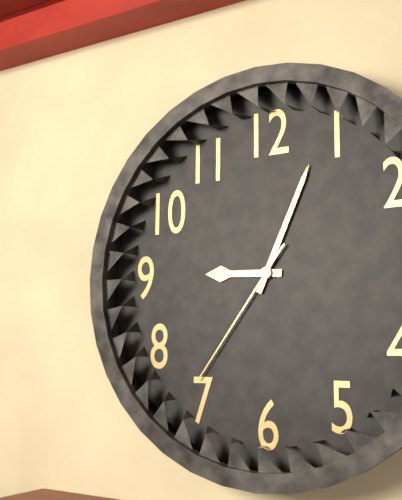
{"hour": 9, "minute": 4, "second": 36}
